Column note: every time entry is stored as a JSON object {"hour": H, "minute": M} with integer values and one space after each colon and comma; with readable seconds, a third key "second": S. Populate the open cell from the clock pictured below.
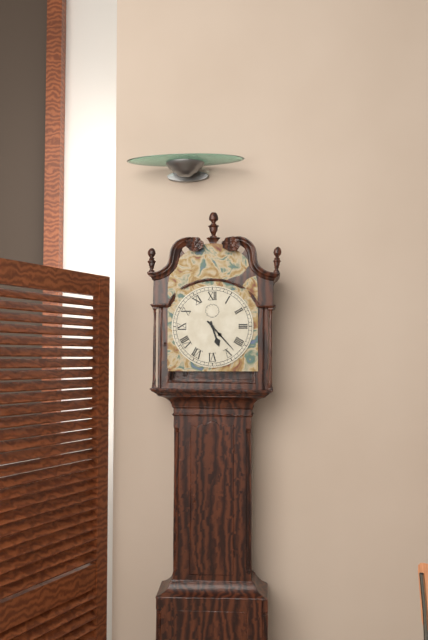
{"hour": 5, "minute": 23}
